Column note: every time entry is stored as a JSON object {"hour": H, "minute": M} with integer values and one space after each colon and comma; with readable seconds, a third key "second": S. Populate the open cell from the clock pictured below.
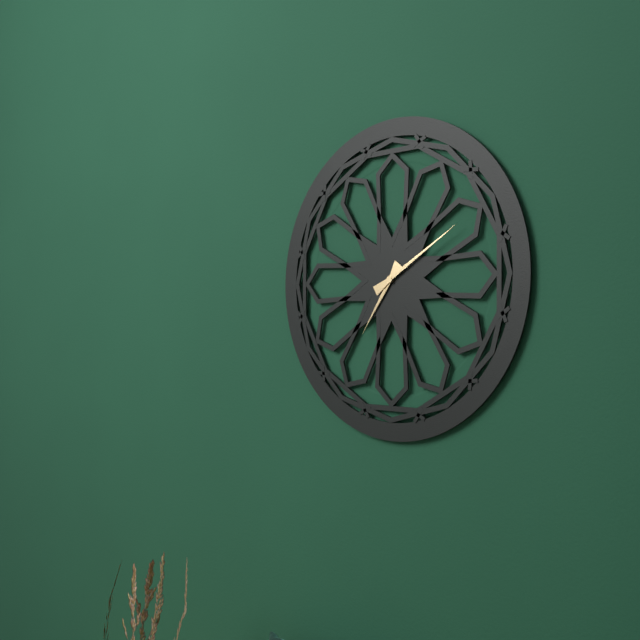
{"hour": 7, "minute": 10}
